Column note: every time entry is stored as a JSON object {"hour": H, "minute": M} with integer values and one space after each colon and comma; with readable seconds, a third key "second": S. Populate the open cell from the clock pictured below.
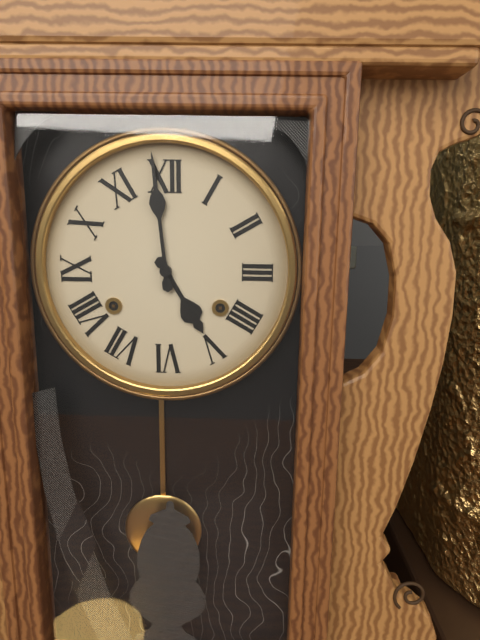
{"hour": 4, "minute": 59}
